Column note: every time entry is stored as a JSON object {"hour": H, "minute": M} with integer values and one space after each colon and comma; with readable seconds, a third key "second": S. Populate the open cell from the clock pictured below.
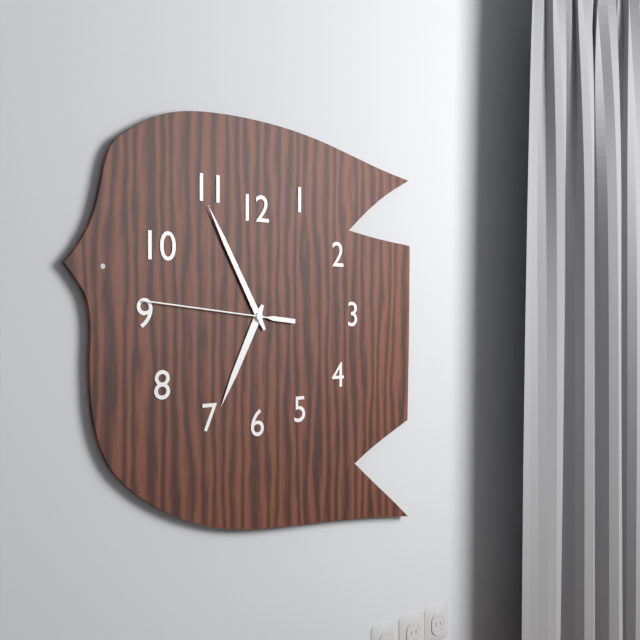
{"hour": 6, "minute": 55, "second": 46}
